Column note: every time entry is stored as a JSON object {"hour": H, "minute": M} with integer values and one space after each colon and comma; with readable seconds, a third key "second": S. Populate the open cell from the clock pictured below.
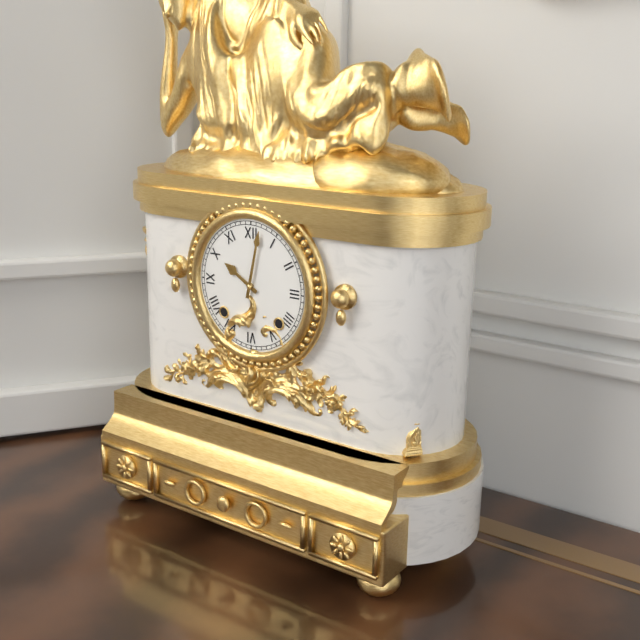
{"hour": 10, "minute": 2}
